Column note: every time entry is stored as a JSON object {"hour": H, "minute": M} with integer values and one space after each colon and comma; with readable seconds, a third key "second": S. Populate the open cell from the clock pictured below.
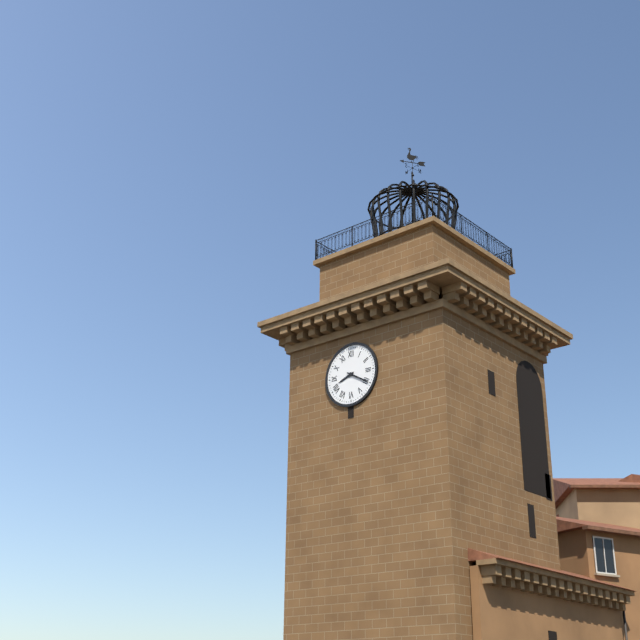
{"hour": 8, "minute": 20}
